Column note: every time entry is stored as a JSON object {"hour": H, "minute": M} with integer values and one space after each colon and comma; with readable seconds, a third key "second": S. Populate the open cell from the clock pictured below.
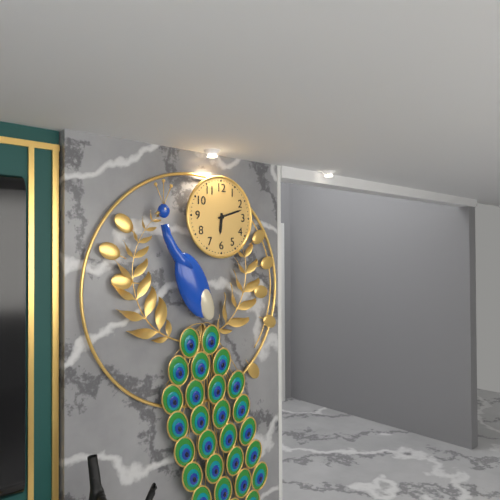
{"hour": 6, "minute": 12}
